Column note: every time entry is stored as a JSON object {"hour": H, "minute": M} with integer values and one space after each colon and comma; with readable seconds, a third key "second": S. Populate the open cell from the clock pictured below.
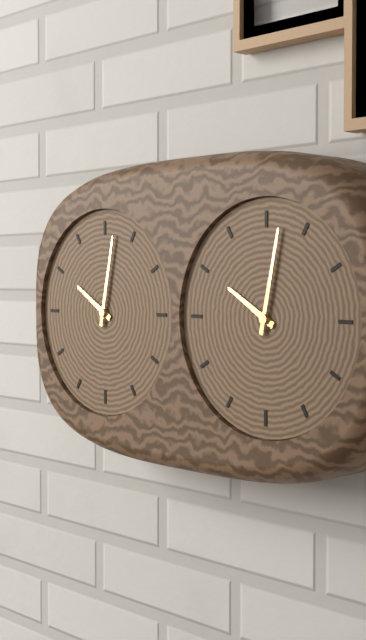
{"hour": 10, "minute": 2}
